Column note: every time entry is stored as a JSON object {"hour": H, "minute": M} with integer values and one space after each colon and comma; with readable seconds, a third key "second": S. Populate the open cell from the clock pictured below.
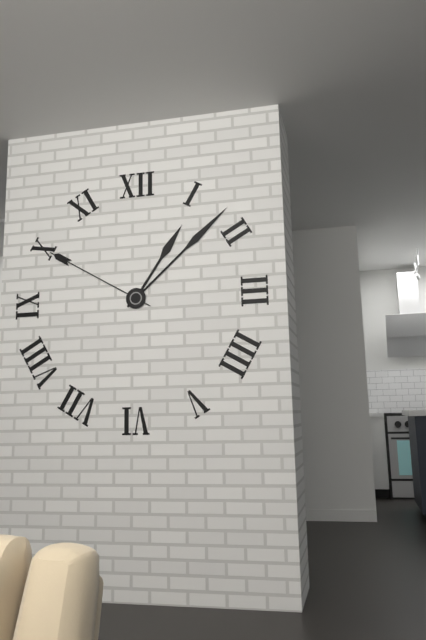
{"hour": 1, "minute": 8, "second": 50}
